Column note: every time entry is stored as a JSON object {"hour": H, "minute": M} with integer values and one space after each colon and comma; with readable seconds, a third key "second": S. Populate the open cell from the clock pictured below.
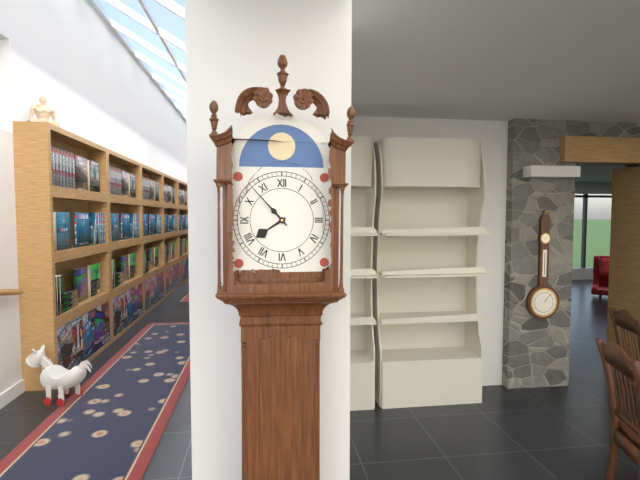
{"hour": 7, "minute": 53}
